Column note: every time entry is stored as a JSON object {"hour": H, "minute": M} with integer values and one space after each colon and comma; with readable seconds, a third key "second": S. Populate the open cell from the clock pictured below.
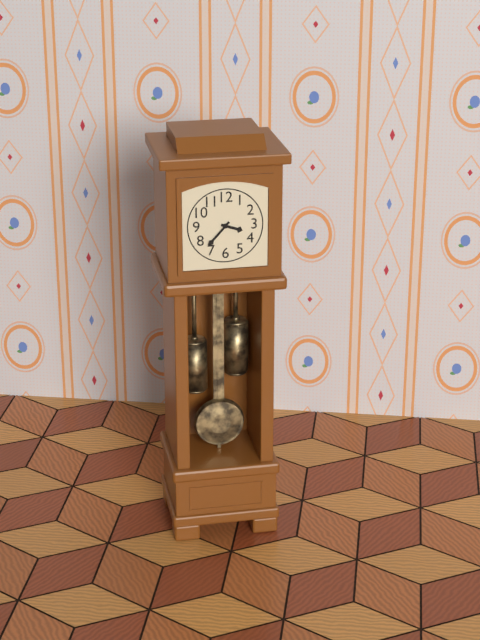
{"hour": 3, "minute": 37}
